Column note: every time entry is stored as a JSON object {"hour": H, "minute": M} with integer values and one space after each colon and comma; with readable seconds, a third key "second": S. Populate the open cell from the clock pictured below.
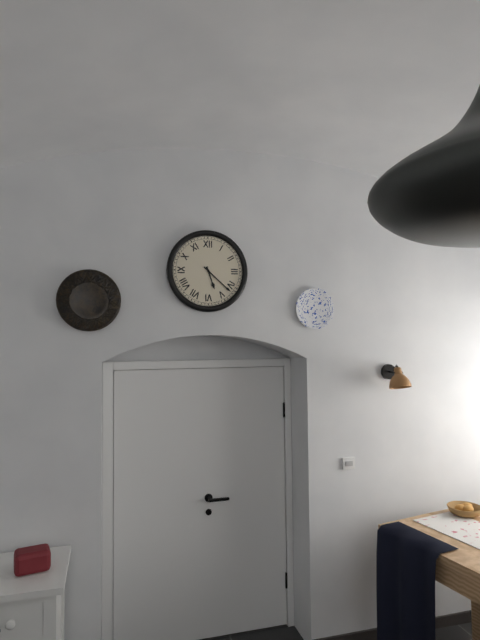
{"hour": 5, "minute": 22}
